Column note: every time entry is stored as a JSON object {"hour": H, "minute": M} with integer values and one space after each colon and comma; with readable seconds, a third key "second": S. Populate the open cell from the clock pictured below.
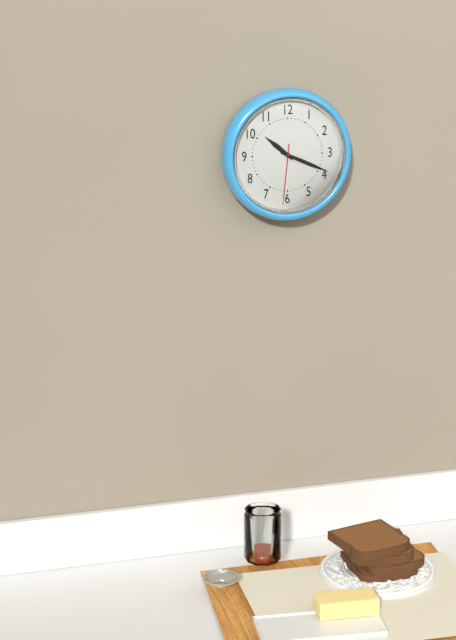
{"hour": 10, "minute": 19, "second": 31}
